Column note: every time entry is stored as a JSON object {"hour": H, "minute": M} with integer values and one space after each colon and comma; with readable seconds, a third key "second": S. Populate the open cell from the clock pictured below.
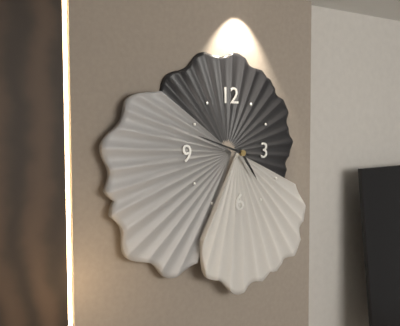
{"hour": 4, "minute": 48}
